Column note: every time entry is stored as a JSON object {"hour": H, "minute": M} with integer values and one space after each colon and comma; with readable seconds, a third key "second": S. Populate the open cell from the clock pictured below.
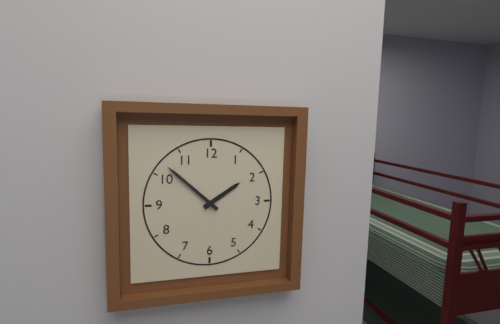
{"hour": 1, "minute": 52}
